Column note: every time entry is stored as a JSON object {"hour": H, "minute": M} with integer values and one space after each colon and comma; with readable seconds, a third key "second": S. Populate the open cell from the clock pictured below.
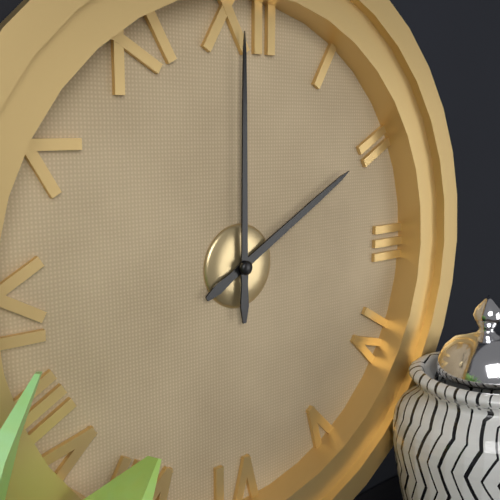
{"hour": 2, "minute": 0}
